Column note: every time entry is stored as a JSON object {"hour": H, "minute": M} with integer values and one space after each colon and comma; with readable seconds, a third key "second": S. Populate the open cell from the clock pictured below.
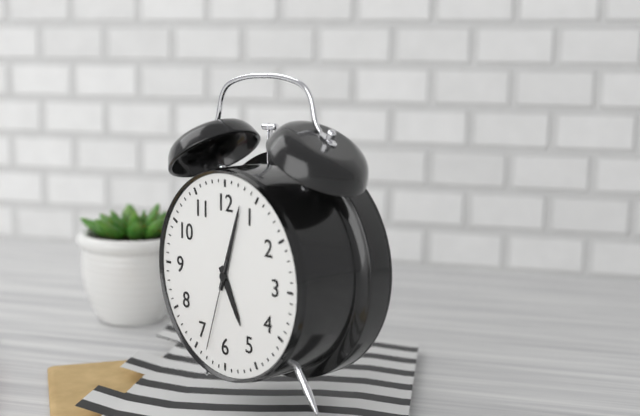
{"hour": 5, "minute": 3, "second": 33}
